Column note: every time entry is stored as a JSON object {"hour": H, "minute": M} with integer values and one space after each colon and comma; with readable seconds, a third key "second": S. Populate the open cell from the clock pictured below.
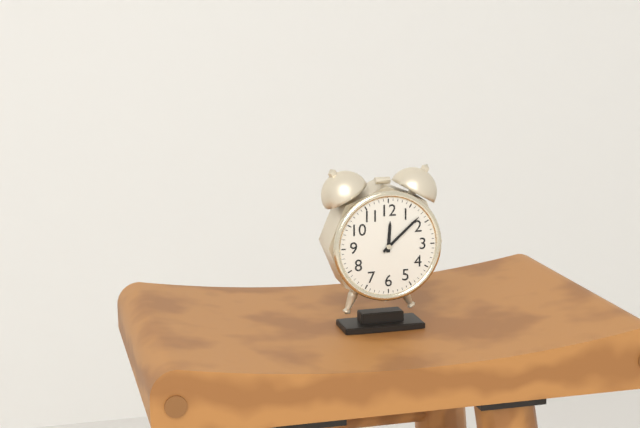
{"hour": 12, "minute": 8}
